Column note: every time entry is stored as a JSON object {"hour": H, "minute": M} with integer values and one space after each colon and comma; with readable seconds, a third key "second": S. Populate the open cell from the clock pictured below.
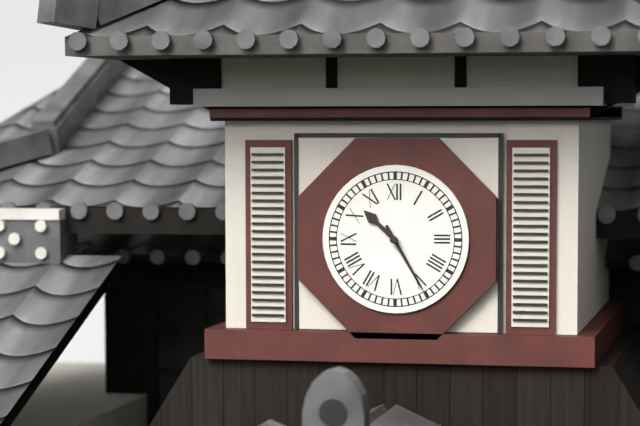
{"hour": 10, "minute": 25}
